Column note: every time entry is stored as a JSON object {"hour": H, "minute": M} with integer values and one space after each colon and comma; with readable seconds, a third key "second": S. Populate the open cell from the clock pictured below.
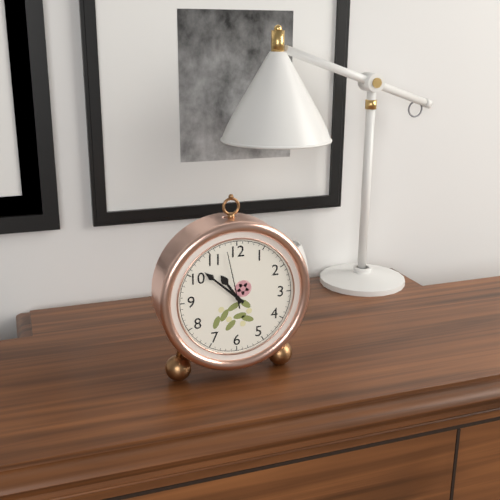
{"hour": 10, "minute": 52, "second": 58}
